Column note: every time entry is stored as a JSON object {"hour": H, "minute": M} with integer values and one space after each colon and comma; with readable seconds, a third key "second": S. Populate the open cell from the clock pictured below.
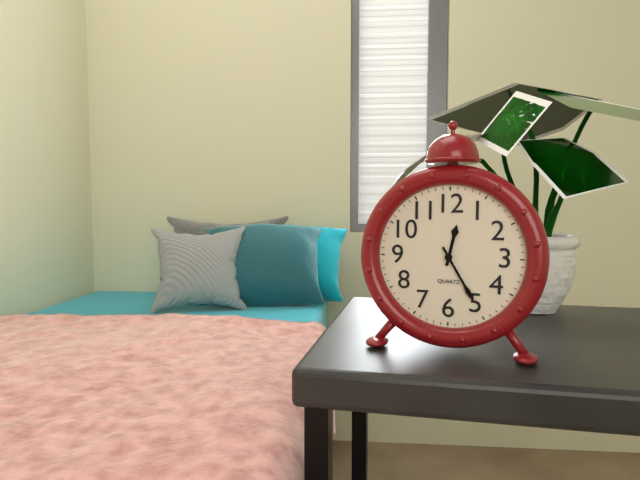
{"hour": 12, "minute": 25}
